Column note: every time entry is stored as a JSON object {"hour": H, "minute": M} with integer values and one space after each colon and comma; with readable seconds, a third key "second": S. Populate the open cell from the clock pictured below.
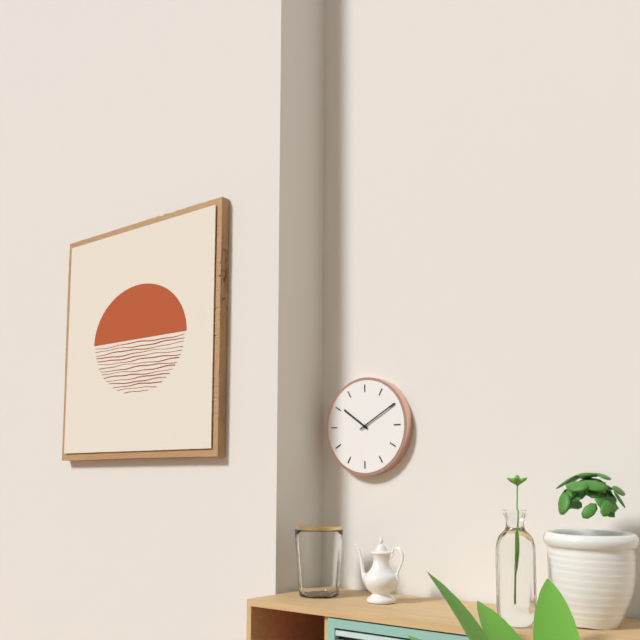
{"hour": 10, "minute": 10}
